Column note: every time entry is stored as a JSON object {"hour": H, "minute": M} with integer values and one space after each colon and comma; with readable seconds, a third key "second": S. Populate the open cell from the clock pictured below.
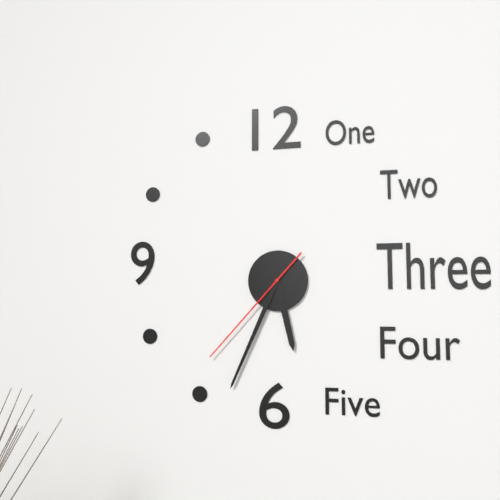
{"hour": 5, "minute": 34, "second": 37}
